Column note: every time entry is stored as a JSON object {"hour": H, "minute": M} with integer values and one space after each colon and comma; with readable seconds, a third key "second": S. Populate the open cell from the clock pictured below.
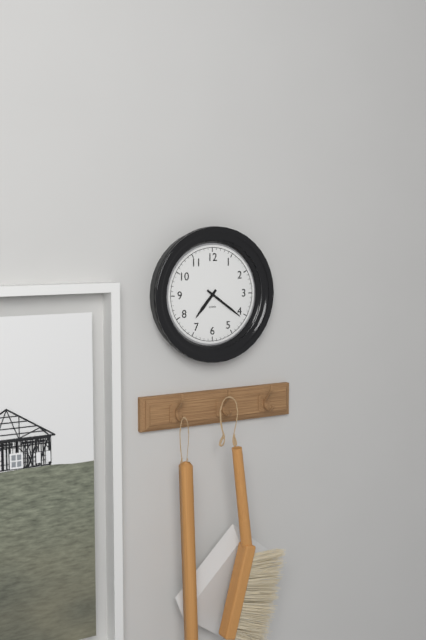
{"hour": 7, "minute": 21}
